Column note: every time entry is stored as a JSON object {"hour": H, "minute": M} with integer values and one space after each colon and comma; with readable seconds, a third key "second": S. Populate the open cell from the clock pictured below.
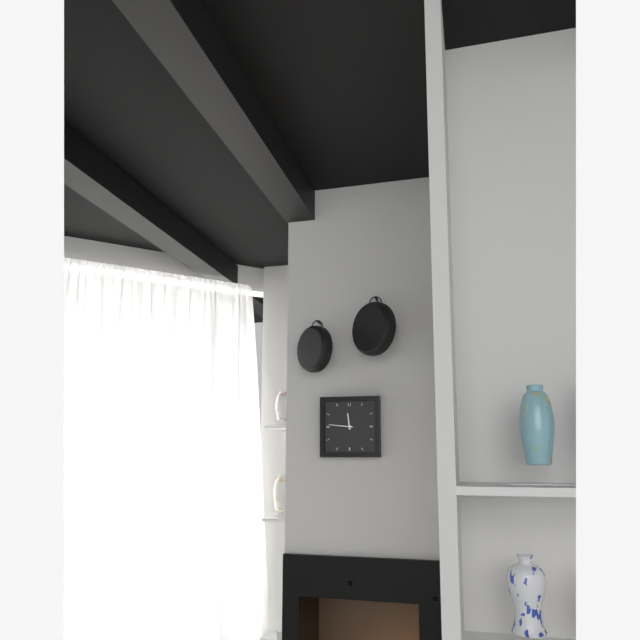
{"hour": 11, "minute": 46}
